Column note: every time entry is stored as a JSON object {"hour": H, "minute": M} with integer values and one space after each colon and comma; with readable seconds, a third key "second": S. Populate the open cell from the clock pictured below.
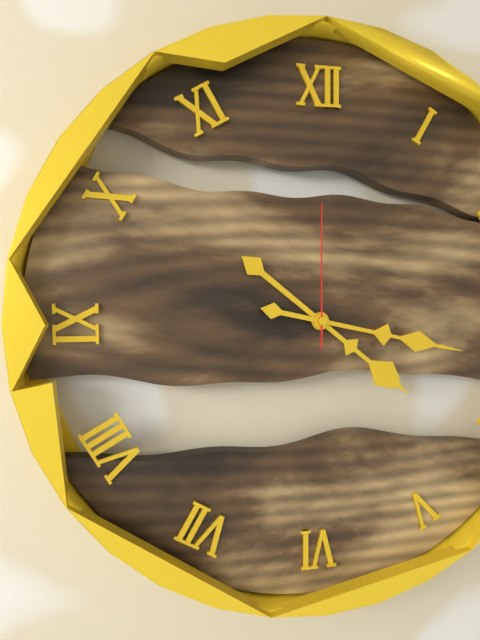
{"hour": 4, "minute": 17, "second": 0}
